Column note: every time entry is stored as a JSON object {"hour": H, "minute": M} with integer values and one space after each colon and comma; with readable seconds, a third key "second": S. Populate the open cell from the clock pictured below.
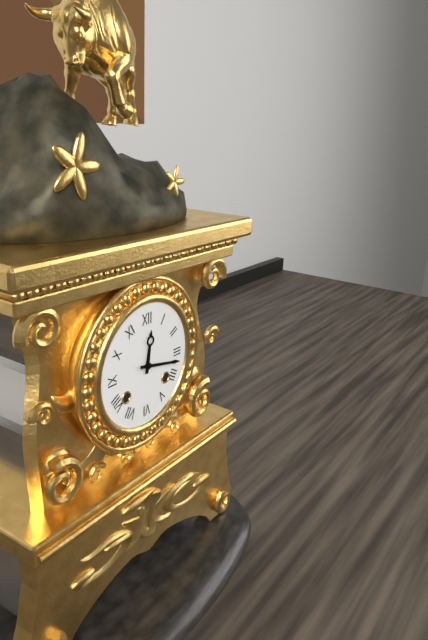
{"hour": 12, "minute": 17}
